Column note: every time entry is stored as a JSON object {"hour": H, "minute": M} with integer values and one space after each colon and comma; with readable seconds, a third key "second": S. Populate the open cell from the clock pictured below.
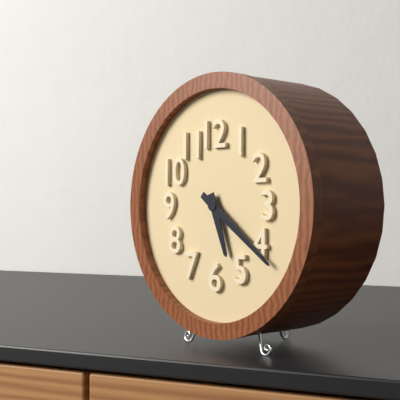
{"hour": 5, "minute": 21}
